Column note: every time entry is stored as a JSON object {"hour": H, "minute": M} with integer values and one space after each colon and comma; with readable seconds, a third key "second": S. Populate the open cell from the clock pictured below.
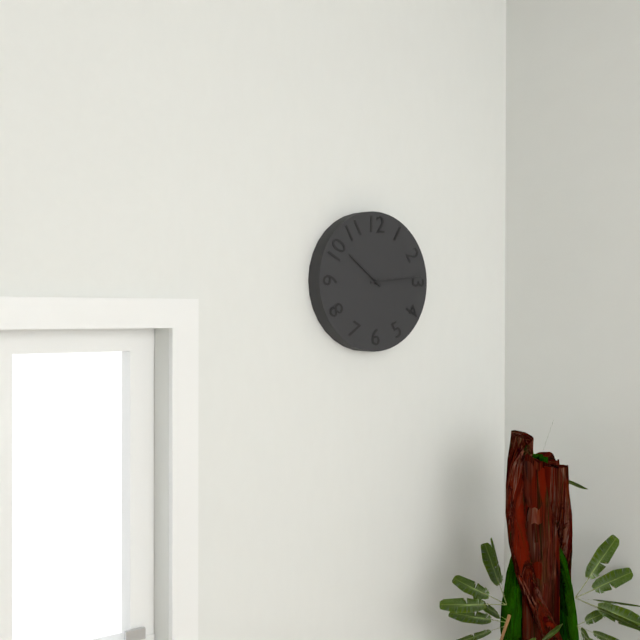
{"hour": 10, "minute": 14}
